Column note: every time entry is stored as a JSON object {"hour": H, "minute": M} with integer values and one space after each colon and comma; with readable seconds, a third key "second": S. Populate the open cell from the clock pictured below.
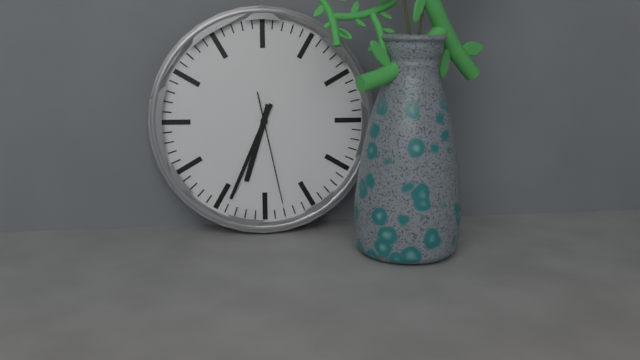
{"hour": 6, "minute": 34, "second": 28}
